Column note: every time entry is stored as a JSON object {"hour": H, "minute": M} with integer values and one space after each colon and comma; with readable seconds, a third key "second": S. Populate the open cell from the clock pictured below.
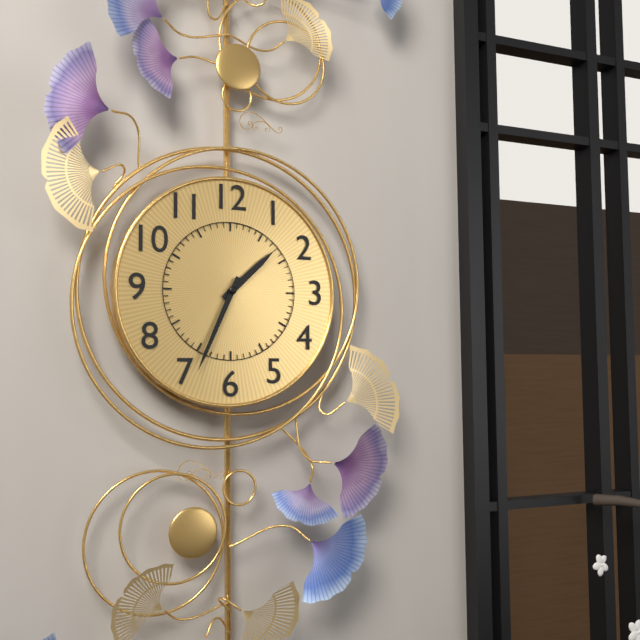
{"hour": 1, "minute": 34}
